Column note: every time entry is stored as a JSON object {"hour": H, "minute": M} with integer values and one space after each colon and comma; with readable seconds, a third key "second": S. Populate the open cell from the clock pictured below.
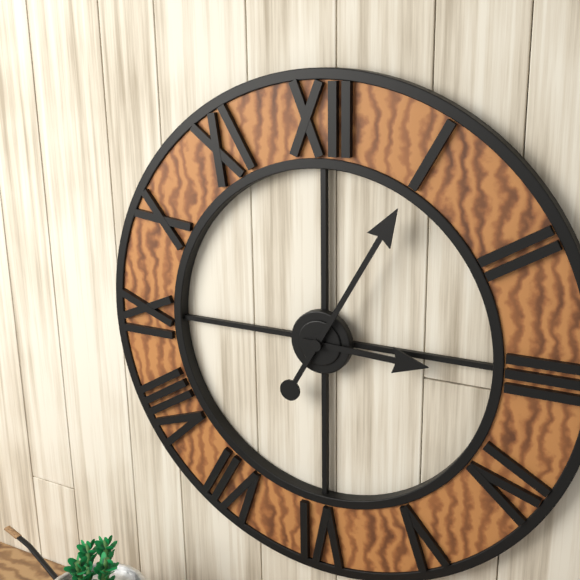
{"hour": 3, "minute": 5}
